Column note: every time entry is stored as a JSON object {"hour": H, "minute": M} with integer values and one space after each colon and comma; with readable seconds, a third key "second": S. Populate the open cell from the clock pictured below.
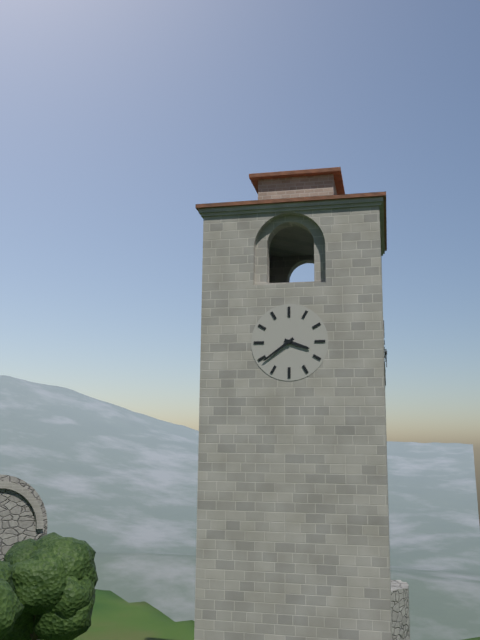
{"hour": 3, "minute": 39}
